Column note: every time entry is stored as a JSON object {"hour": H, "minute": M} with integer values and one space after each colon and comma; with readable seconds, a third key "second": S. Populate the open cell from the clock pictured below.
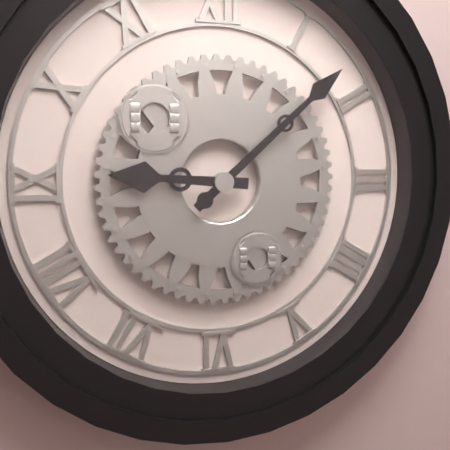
{"hour": 9, "minute": 8}
